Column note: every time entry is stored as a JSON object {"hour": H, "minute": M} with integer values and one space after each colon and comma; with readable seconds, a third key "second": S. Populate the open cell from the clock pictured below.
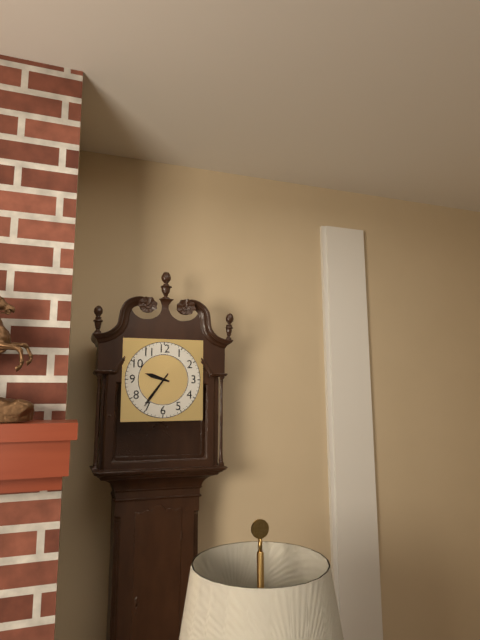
{"hour": 9, "minute": 36}
